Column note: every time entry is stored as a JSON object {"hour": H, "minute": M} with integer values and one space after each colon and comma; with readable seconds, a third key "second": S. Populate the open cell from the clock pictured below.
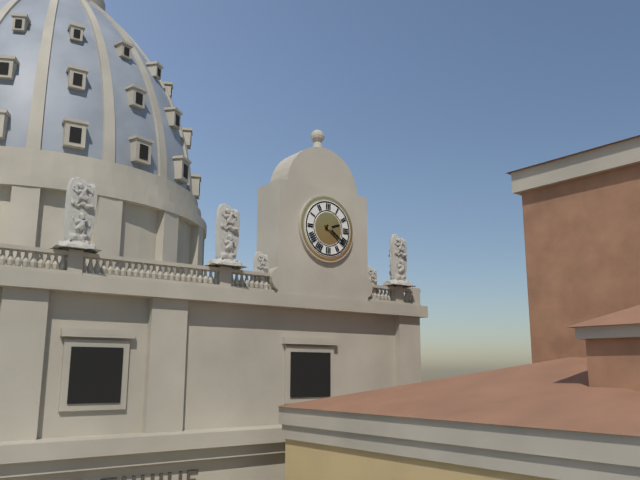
{"hour": 2, "minute": 21}
